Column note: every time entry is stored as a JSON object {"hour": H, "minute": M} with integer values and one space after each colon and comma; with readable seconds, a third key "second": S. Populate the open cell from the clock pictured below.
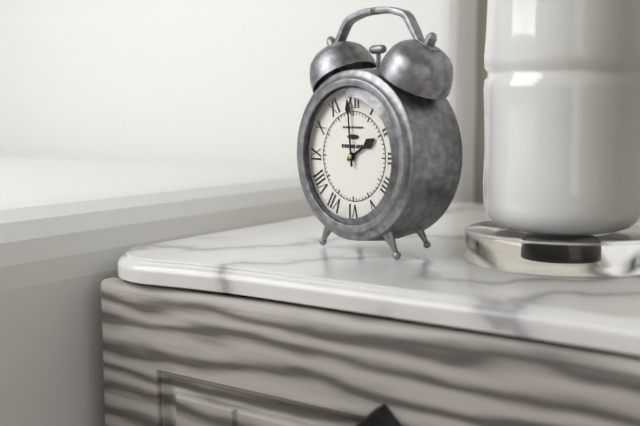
{"hour": 1, "minute": 59}
